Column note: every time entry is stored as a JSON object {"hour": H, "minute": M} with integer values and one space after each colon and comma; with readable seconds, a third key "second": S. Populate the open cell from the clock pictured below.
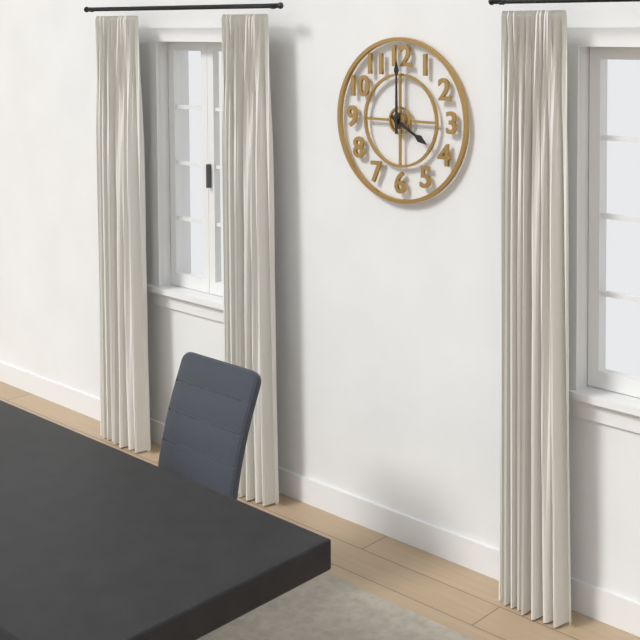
{"hour": 4, "minute": 0}
